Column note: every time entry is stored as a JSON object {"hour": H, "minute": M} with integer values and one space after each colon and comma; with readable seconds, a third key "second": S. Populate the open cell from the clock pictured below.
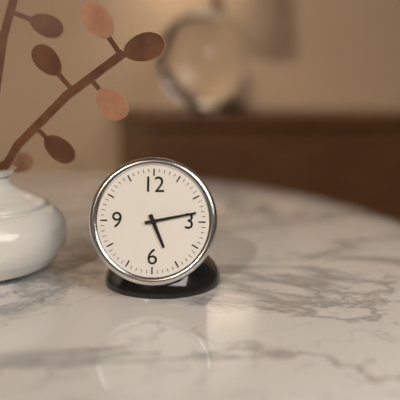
{"hour": 5, "minute": 13}
